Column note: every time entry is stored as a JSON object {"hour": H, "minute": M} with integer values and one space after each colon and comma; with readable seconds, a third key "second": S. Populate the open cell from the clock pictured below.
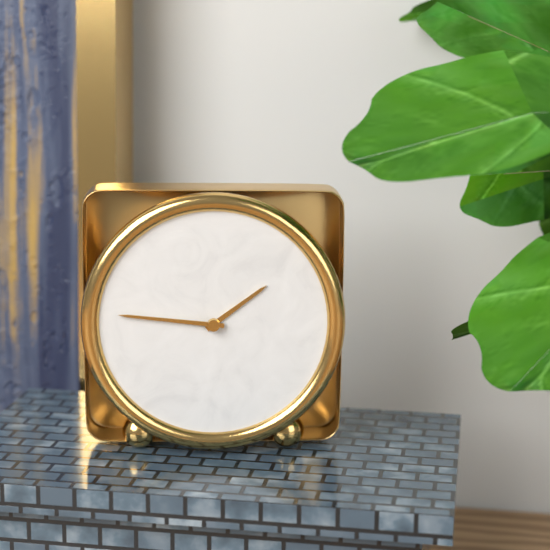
{"hour": 1, "minute": 46}
